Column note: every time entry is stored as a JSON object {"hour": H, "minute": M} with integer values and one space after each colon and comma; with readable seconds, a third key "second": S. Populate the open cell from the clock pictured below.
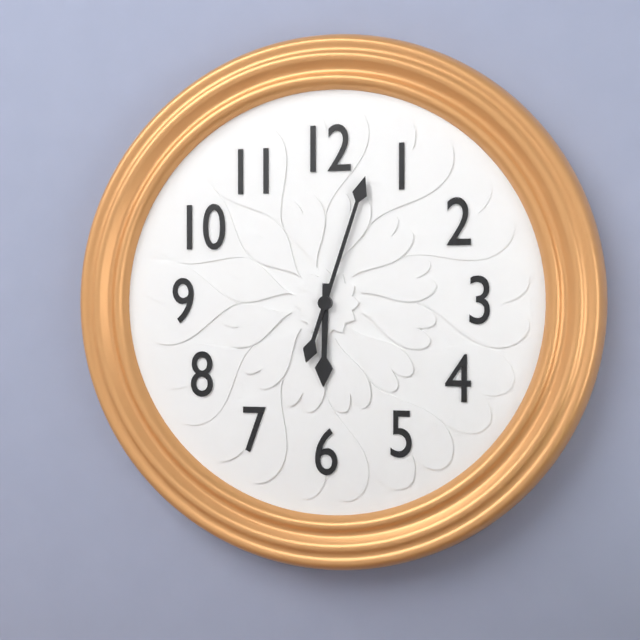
{"hour": 6, "minute": 3}
